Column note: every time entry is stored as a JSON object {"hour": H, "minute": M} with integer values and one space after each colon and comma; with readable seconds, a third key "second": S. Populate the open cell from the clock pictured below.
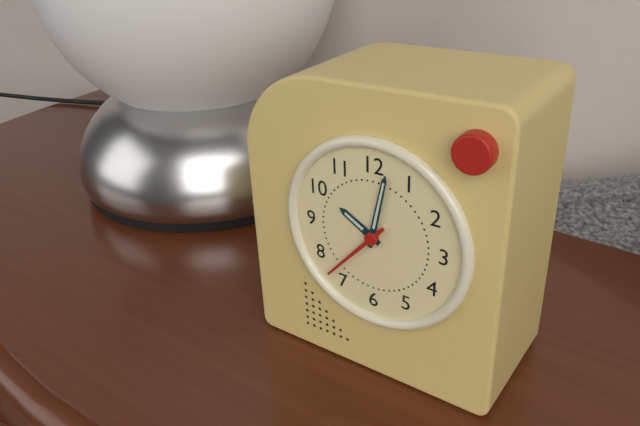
{"hour": 10, "minute": 2, "second": 37}
